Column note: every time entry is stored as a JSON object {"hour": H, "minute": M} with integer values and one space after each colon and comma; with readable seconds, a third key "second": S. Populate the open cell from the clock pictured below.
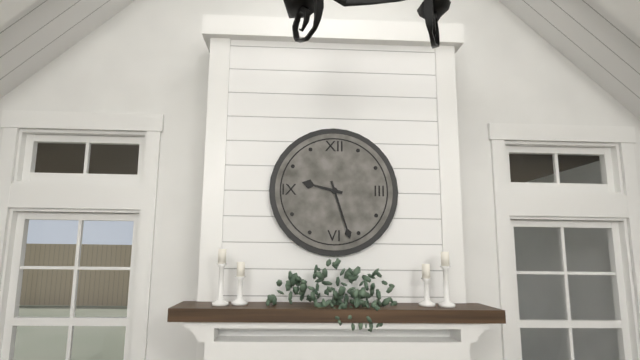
{"hour": 9, "minute": 27}
